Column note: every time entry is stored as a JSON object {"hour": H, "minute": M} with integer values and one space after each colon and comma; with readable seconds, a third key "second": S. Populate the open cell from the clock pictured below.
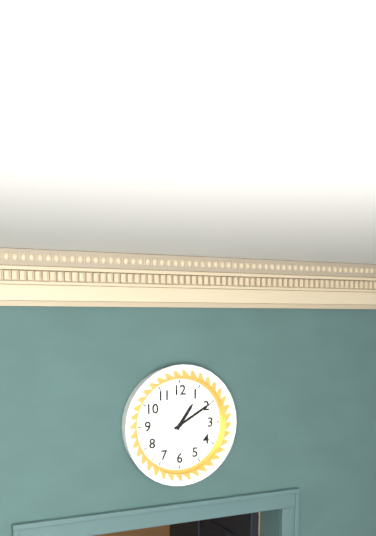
{"hour": 1, "minute": 10}
